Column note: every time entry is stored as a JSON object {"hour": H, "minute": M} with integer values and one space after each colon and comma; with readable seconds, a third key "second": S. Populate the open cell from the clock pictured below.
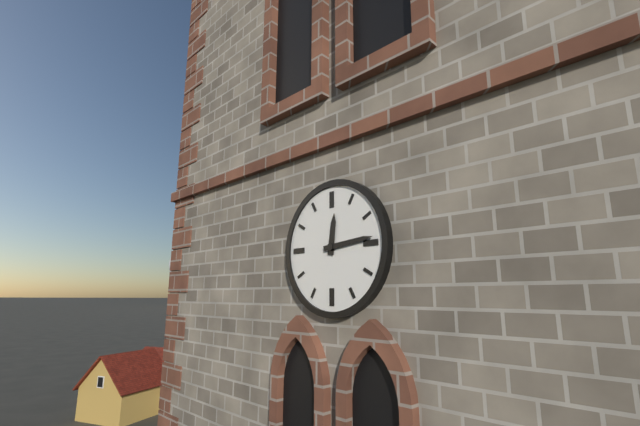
{"hour": 12, "minute": 14}
